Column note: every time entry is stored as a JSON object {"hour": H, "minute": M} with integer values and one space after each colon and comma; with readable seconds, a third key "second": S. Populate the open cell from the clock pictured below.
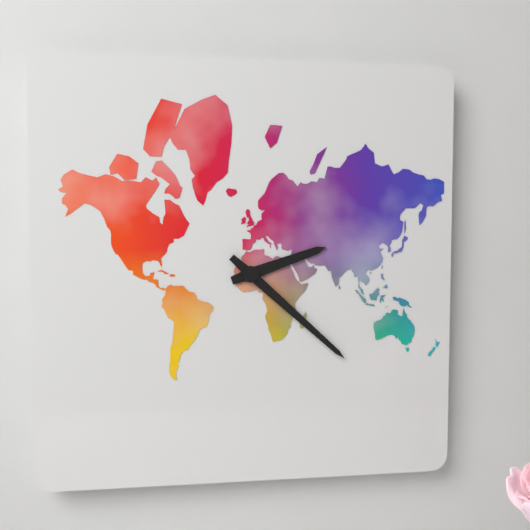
{"hour": 2, "minute": 22}
